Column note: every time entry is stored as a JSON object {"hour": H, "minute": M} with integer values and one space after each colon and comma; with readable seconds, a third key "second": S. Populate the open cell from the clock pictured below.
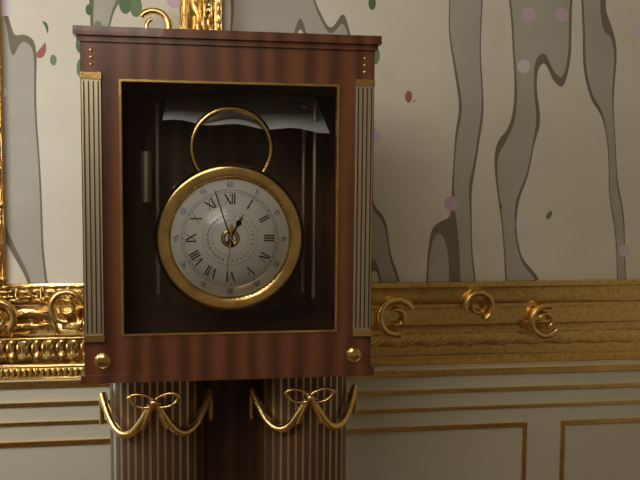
{"hour": 12, "minute": 57, "second": 31}
